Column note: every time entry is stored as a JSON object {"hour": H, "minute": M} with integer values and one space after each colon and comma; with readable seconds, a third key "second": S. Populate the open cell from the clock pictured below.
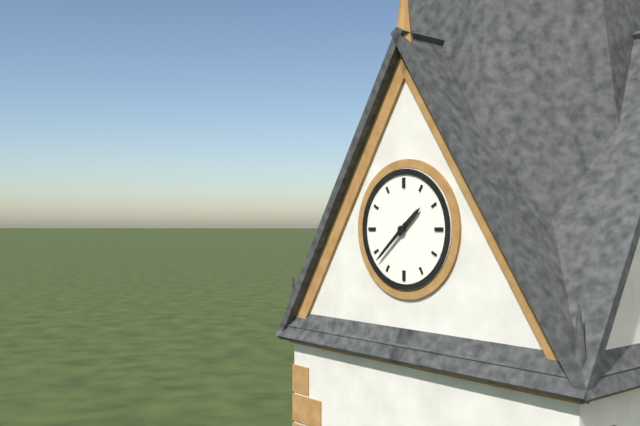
{"hour": 1, "minute": 38}
